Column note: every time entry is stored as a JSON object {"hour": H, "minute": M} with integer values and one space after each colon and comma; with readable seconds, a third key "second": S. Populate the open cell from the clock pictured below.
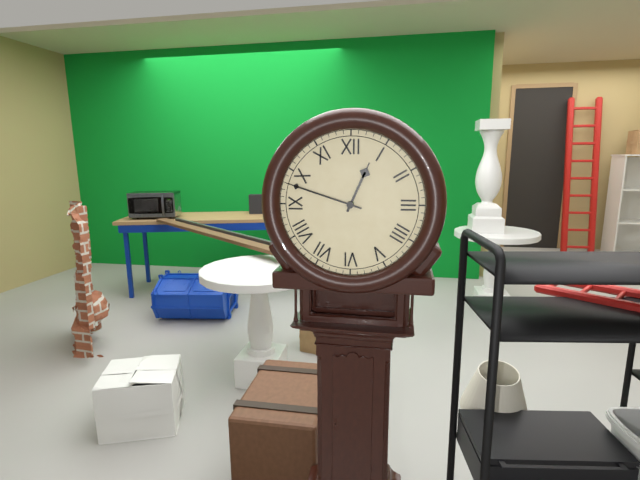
{"hour": 12, "minute": 48}
